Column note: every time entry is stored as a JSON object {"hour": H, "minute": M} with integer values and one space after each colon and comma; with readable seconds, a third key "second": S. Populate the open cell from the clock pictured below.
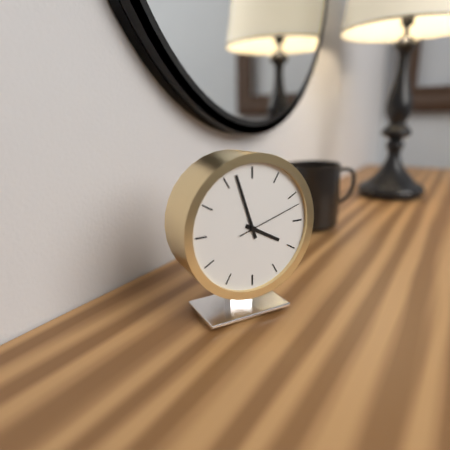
{"hour": 3, "minute": 57, "second": 12}
